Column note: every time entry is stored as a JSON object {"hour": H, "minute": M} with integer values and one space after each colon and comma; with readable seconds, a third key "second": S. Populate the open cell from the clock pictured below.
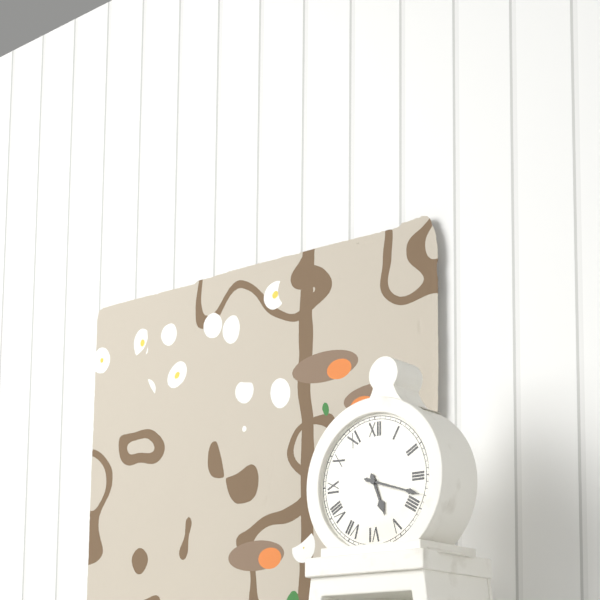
{"hour": 5, "minute": 18}
